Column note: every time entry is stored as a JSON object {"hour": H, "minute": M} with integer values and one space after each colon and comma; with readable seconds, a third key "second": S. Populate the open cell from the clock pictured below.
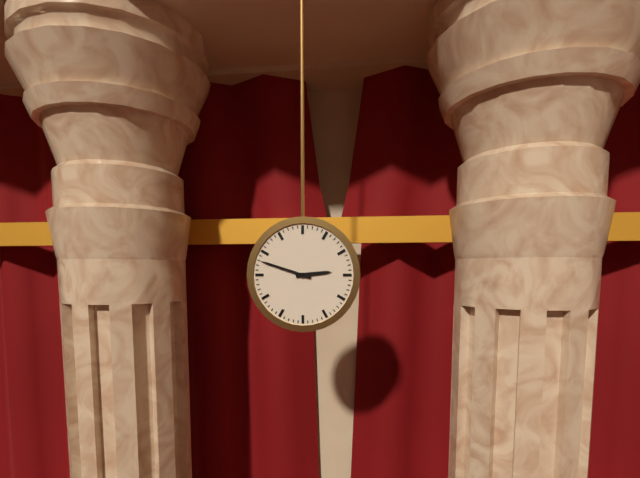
{"hour": 2, "minute": 48}
